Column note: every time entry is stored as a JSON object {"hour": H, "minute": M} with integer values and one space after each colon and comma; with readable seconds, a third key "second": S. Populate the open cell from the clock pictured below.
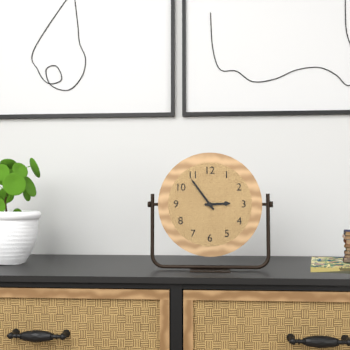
{"hour": 2, "minute": 54}
